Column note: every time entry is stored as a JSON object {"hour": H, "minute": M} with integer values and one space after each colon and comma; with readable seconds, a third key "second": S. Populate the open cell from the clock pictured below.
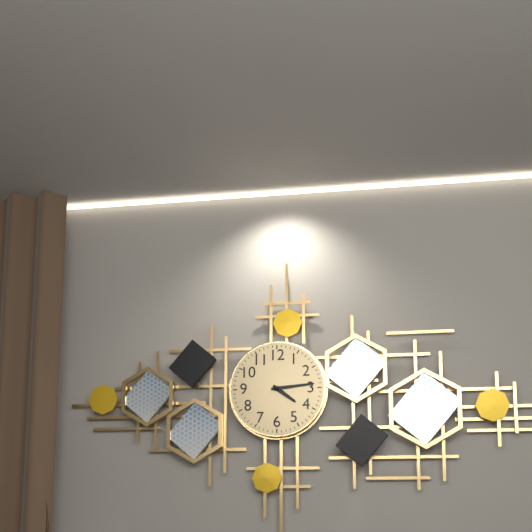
{"hour": 4, "minute": 14}
